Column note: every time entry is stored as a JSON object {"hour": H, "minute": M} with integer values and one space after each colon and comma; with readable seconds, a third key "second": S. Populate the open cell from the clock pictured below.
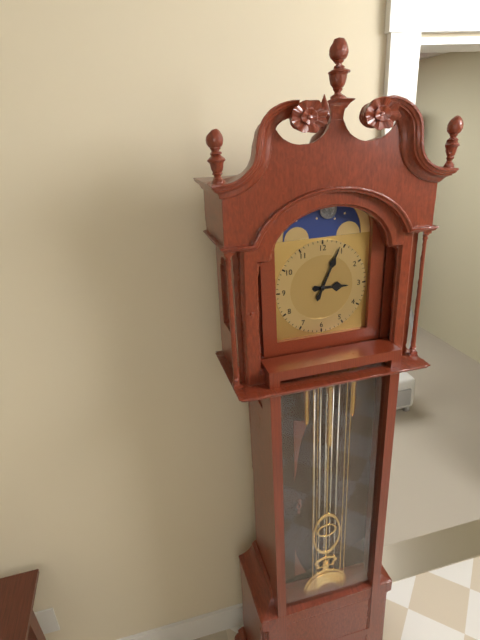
{"hour": 3, "minute": 4}
